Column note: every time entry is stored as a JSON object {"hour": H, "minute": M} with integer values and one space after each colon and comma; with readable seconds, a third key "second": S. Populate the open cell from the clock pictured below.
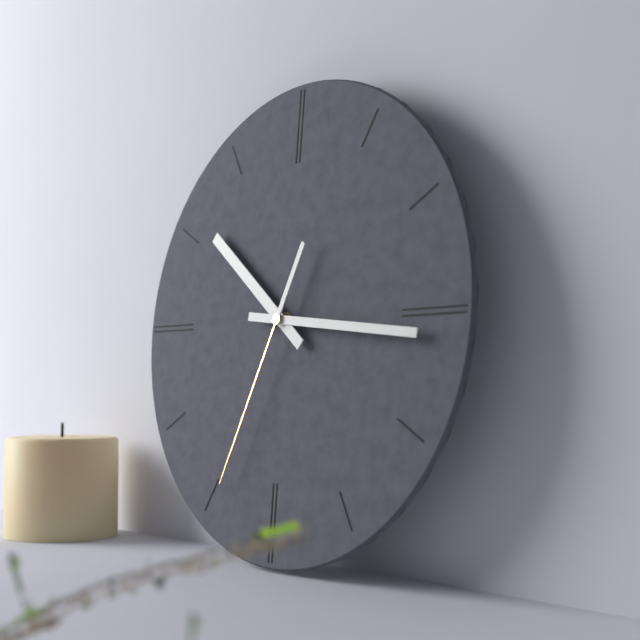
{"hour": 10, "minute": 16, "second": 34}
